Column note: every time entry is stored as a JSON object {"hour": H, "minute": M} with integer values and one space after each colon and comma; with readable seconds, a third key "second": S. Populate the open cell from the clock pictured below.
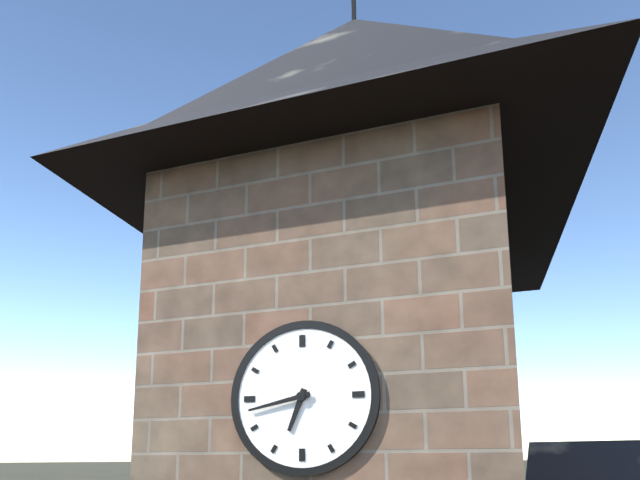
{"hour": 6, "minute": 43}
